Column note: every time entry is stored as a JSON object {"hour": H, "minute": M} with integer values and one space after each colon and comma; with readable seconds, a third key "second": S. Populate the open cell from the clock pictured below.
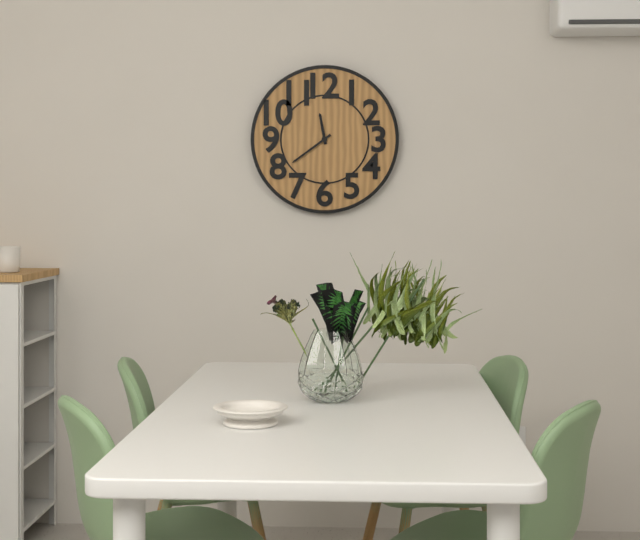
{"hour": 11, "minute": 39}
